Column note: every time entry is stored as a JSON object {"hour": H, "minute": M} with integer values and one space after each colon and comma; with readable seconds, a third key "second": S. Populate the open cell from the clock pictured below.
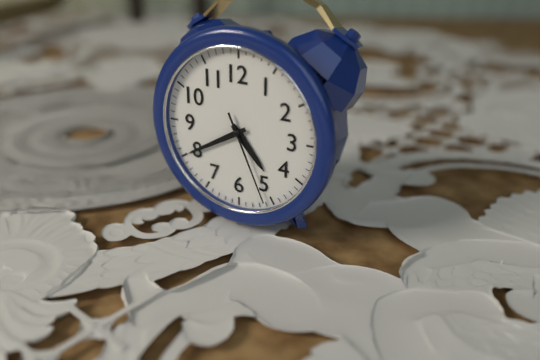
{"hour": 4, "minute": 40, "second": 26}
